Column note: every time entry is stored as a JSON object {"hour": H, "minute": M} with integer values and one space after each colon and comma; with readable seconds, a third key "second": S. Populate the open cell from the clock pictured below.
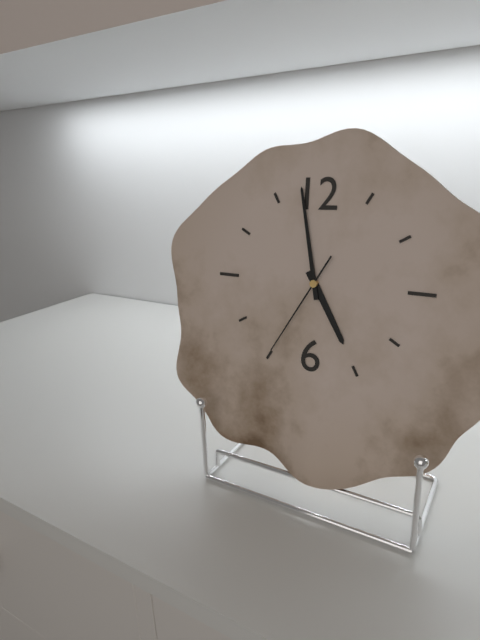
{"hour": 4, "minute": 58, "second": 35}
